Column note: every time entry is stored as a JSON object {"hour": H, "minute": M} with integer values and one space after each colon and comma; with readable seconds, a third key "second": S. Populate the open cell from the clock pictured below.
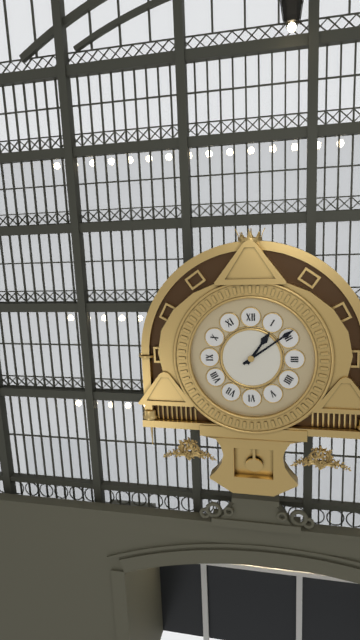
{"hour": 1, "minute": 9}
